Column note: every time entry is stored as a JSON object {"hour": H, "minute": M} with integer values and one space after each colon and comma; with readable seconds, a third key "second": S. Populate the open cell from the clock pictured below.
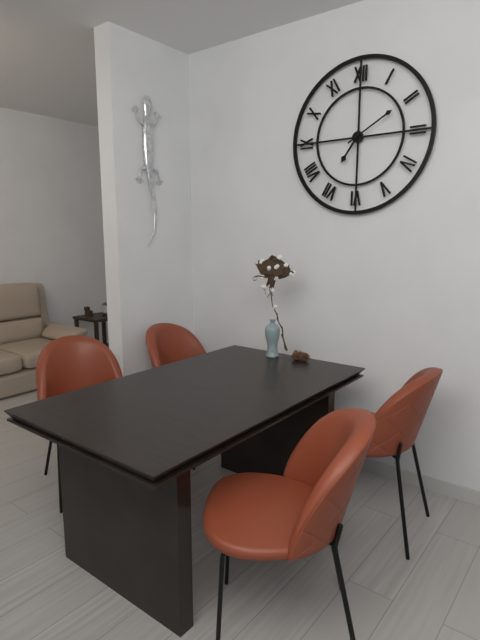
{"hour": 7, "minute": 10}
